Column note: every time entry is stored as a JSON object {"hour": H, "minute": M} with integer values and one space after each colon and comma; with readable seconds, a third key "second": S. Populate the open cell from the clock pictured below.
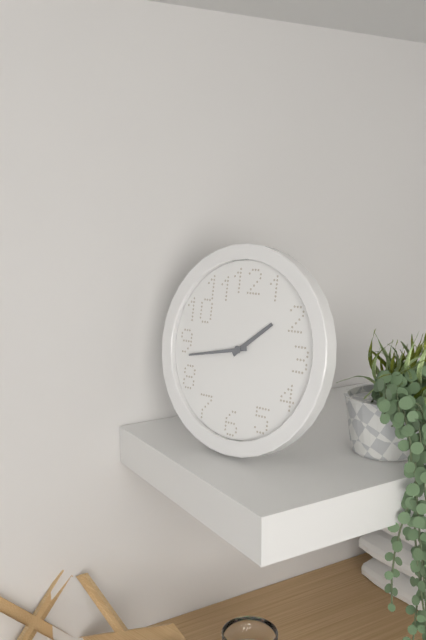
{"hour": 1, "minute": 43}
